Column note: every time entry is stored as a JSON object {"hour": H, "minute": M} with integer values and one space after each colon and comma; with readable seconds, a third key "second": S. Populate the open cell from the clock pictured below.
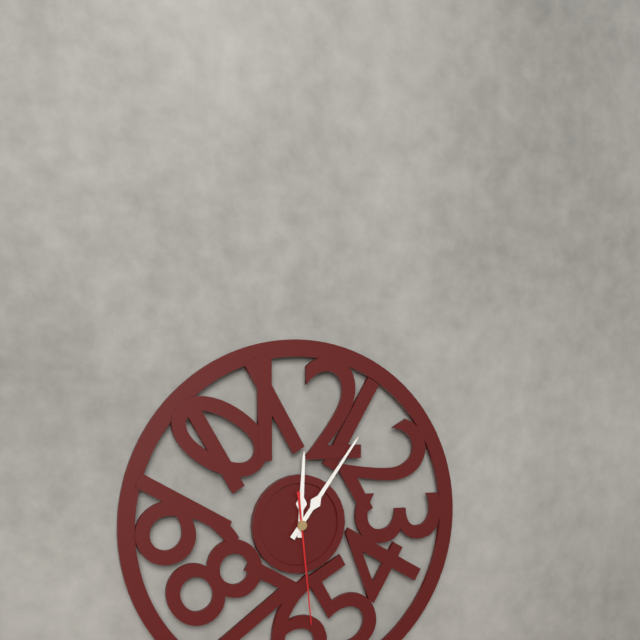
{"hour": 12, "minute": 6, "second": 29}
